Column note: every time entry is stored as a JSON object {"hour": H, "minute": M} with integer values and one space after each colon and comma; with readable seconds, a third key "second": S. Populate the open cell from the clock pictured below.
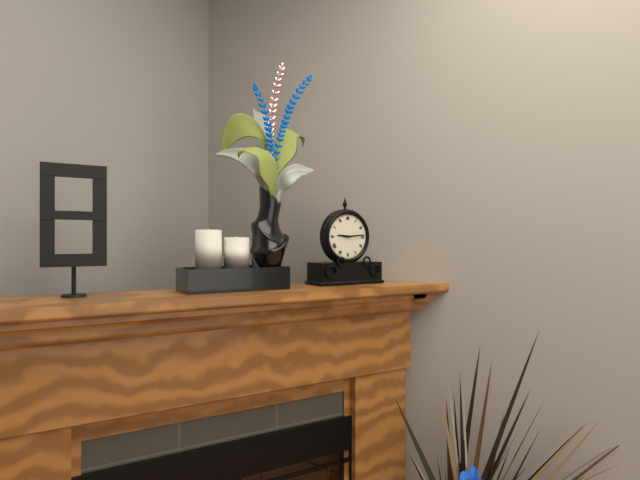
{"hour": 9, "minute": 14}
